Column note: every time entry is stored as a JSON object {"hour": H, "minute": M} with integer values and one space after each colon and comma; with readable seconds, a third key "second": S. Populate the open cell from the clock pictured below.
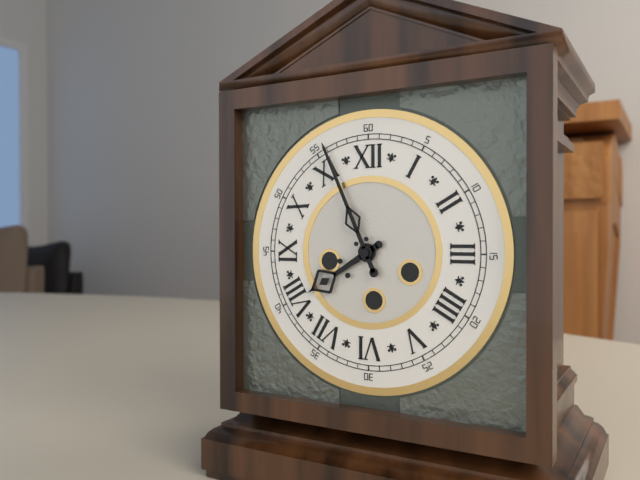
{"hour": 7, "minute": 56}
